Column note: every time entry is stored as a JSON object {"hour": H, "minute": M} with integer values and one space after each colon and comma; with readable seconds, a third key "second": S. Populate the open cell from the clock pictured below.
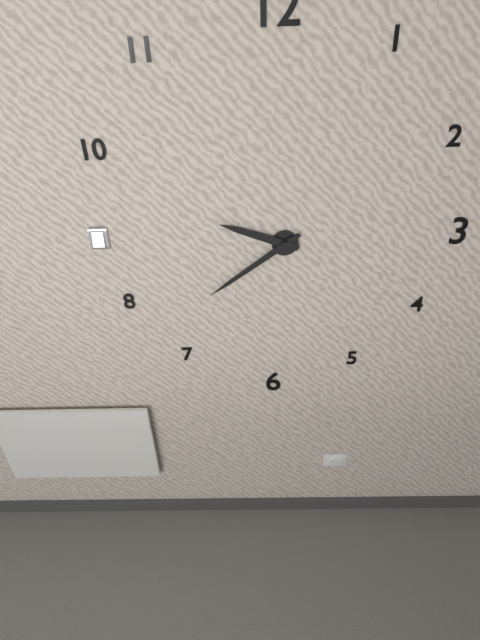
{"hour": 9, "minute": 39}
